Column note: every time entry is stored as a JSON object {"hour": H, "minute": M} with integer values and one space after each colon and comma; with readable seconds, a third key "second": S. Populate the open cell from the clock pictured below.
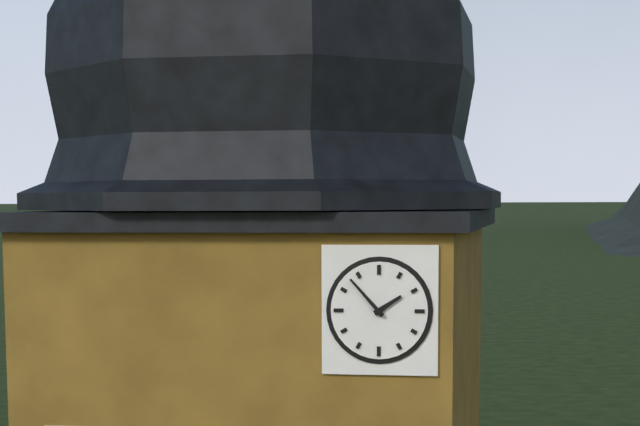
{"hour": 1, "minute": 53}
